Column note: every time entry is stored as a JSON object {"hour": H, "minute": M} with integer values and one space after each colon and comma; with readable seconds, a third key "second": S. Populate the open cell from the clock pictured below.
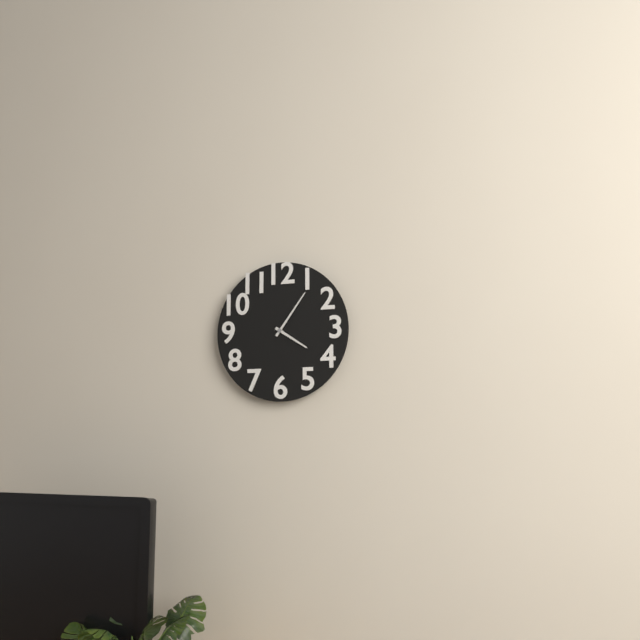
{"hour": 4, "minute": 6}
